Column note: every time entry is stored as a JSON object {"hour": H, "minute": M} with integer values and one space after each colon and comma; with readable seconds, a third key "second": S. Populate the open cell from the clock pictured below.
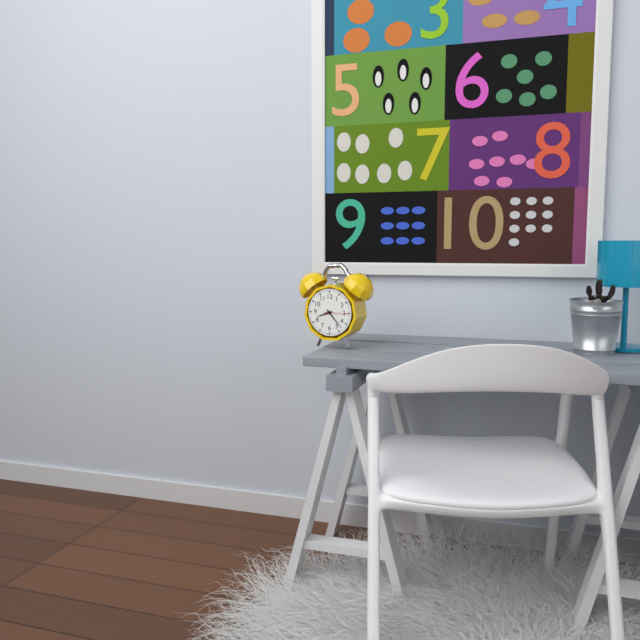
{"hour": 8, "minute": 23}
